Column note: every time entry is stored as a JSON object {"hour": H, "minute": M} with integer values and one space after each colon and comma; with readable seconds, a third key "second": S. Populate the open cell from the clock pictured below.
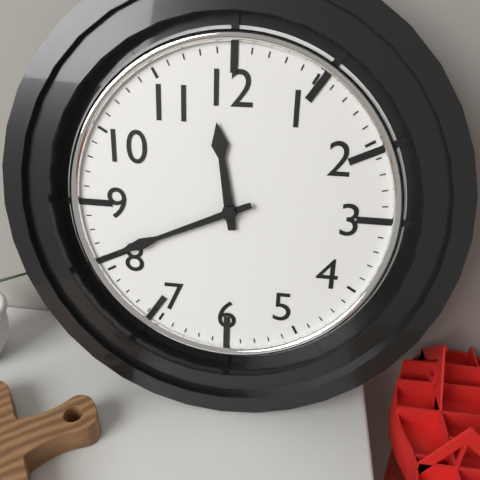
{"hour": 11, "minute": 41}
